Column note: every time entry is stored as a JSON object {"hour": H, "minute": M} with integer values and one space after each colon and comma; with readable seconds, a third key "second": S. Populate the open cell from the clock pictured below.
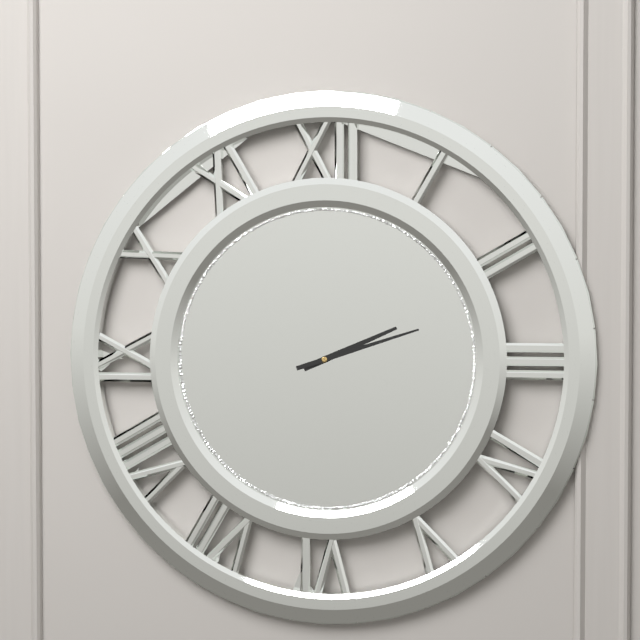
{"hour": 2, "minute": 12}
